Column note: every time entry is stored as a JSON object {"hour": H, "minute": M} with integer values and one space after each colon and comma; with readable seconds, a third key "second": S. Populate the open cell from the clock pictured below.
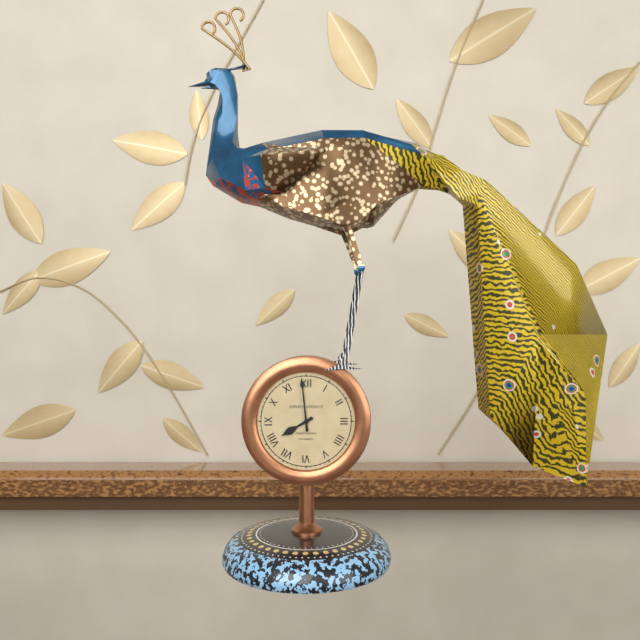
{"hour": 7, "minute": 59}
